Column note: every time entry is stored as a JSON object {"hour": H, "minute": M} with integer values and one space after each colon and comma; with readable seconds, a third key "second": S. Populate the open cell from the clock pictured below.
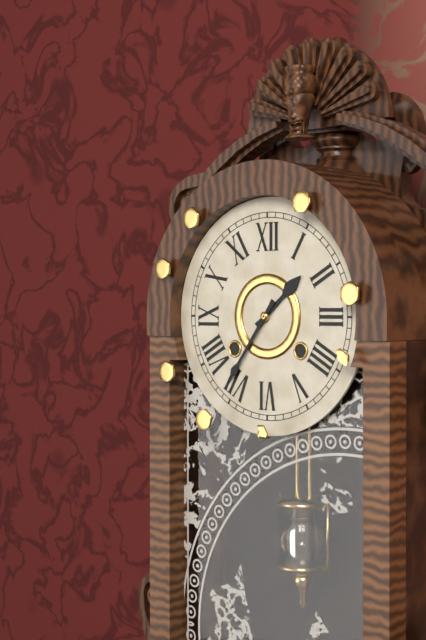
{"hour": 1, "minute": 36}
